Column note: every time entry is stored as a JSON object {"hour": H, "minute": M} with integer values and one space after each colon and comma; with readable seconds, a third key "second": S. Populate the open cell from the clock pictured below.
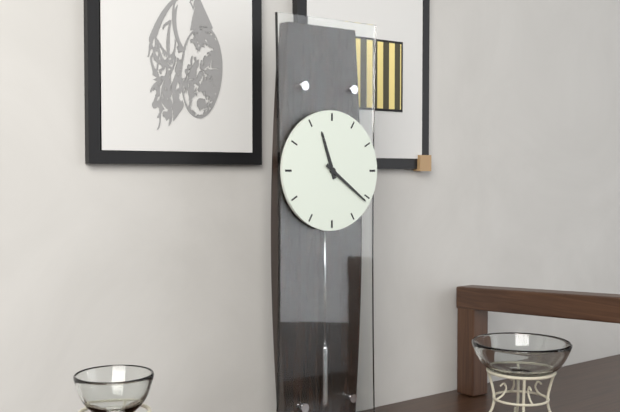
{"hour": 11, "minute": 21}
